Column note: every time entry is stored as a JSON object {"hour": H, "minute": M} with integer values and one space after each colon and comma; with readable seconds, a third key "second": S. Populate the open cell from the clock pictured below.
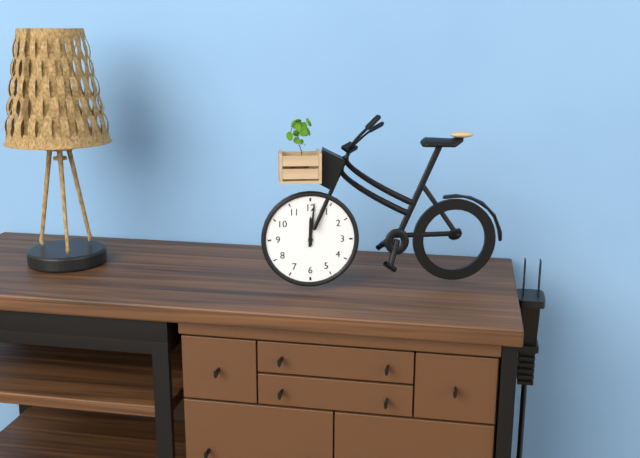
{"hour": 12, "minute": 1}
